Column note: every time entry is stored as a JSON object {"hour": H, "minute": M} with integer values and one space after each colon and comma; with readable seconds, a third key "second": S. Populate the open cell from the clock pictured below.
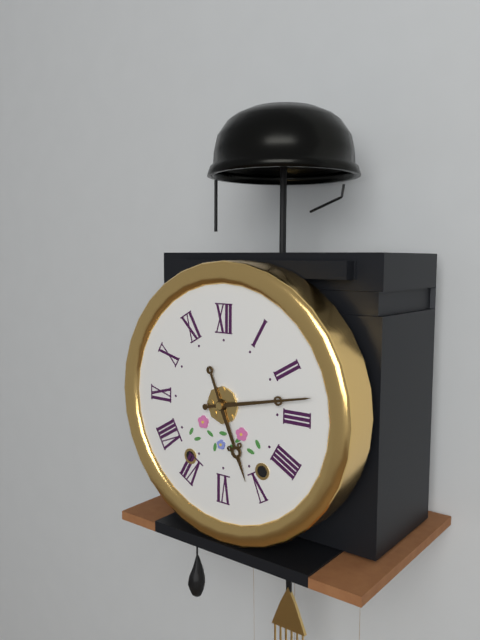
{"hour": 5, "minute": 13}
